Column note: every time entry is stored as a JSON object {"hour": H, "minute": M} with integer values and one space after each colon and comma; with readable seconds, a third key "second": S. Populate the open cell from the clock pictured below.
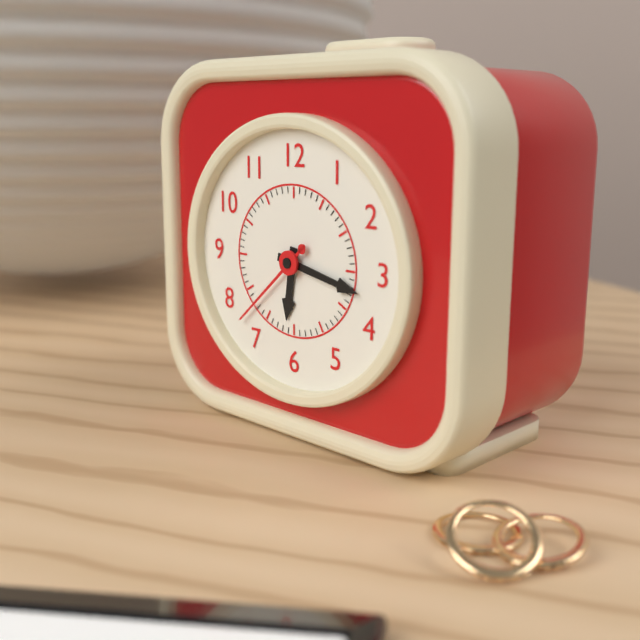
{"hour": 6, "minute": 17, "second": 38}
